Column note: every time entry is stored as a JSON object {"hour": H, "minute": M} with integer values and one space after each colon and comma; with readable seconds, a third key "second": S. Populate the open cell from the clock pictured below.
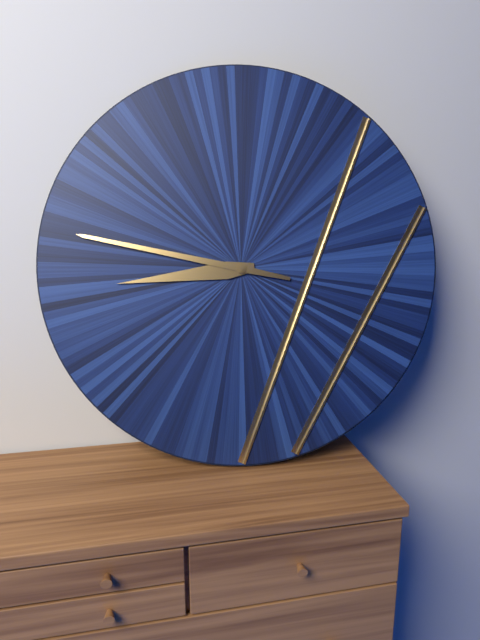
{"hour": 8, "minute": 47}
